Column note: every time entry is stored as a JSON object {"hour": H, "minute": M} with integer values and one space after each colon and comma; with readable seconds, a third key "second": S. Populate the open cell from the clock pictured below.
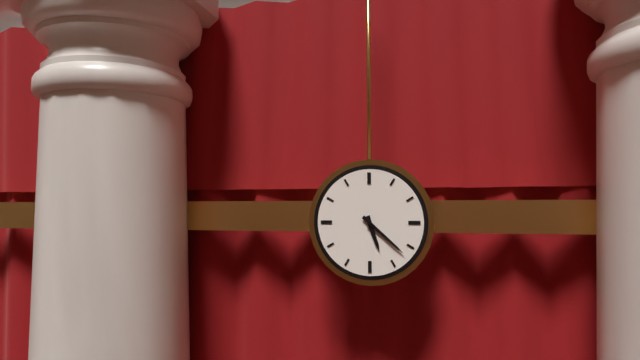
{"hour": 5, "minute": 22}
